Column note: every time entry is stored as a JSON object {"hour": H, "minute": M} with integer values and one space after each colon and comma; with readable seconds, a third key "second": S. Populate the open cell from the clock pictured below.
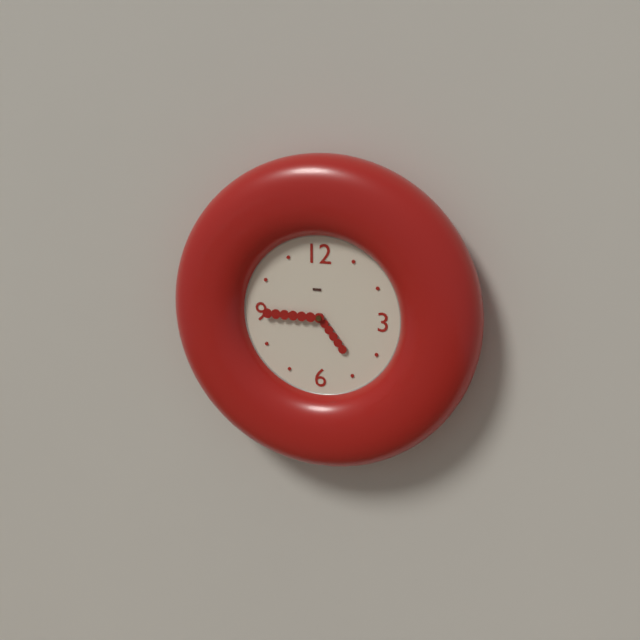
{"hour": 4, "minute": 45}
